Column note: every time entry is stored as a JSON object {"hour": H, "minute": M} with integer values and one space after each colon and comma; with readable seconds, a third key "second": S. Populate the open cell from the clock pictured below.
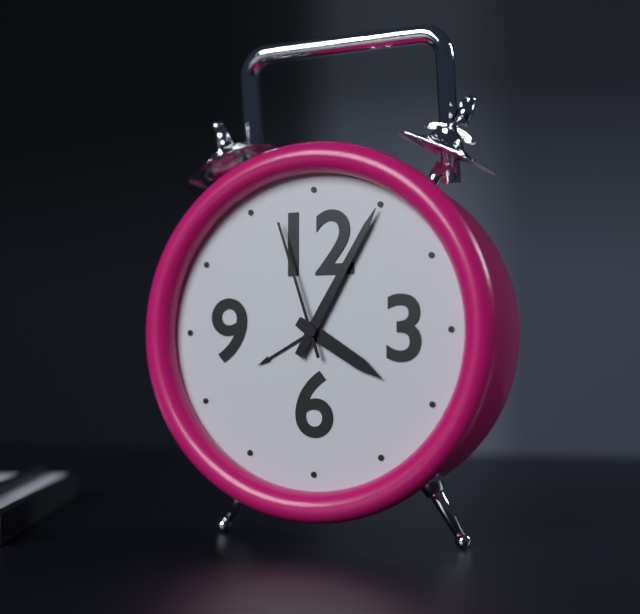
{"hour": 4, "minute": 5, "second": 57}
